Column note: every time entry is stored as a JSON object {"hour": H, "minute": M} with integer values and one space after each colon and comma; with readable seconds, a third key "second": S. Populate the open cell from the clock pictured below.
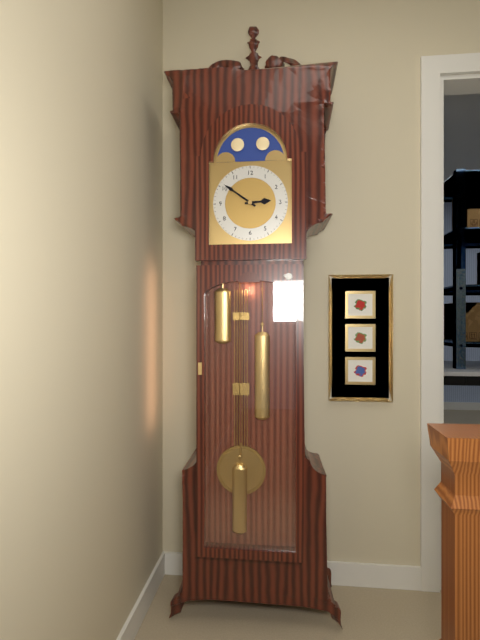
{"hour": 2, "minute": 51}
